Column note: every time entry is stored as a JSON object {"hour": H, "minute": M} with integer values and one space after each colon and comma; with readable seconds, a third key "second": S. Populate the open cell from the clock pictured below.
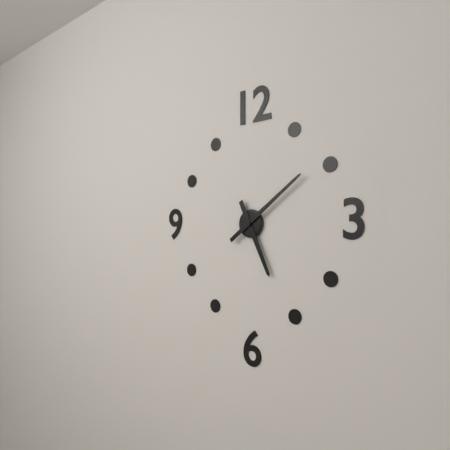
{"hour": 5, "minute": 9}
